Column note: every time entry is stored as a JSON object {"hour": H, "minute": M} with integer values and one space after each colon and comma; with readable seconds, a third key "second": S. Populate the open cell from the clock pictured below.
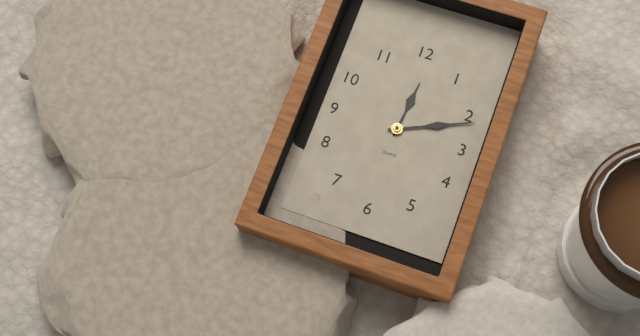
{"hour": 12, "minute": 11}
